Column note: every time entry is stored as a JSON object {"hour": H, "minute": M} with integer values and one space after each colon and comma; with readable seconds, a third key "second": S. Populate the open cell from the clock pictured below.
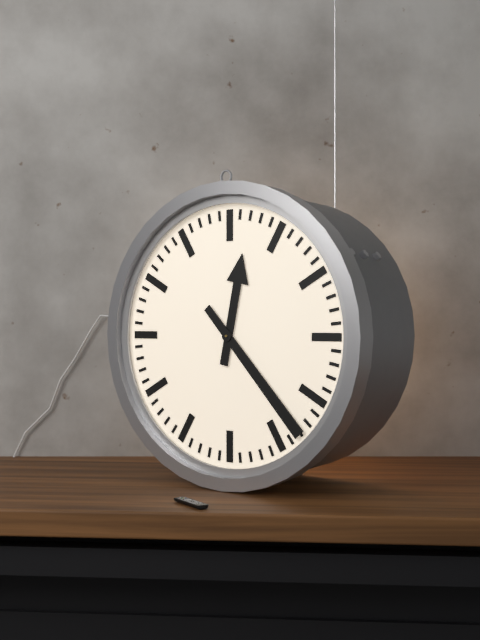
{"hour": 12, "minute": 23}
